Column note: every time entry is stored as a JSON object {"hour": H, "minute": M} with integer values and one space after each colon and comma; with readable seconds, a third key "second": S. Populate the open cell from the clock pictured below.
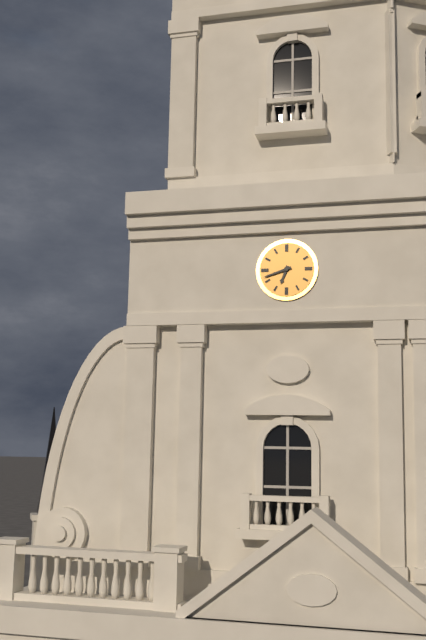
{"hour": 6, "minute": 42}
